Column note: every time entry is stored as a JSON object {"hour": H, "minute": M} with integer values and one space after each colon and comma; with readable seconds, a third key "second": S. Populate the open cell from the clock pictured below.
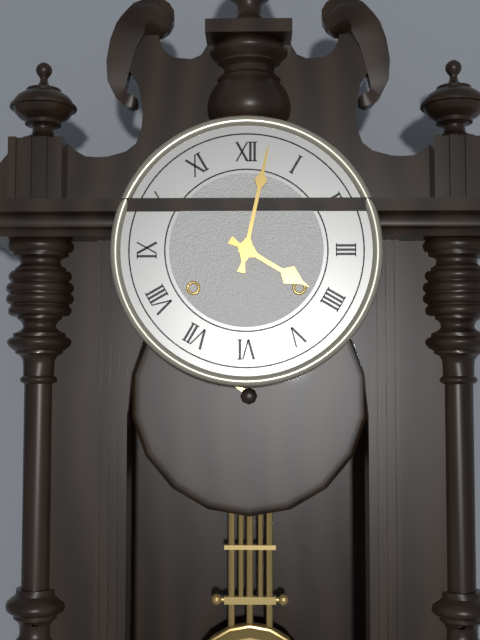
{"hour": 4, "minute": 2}
